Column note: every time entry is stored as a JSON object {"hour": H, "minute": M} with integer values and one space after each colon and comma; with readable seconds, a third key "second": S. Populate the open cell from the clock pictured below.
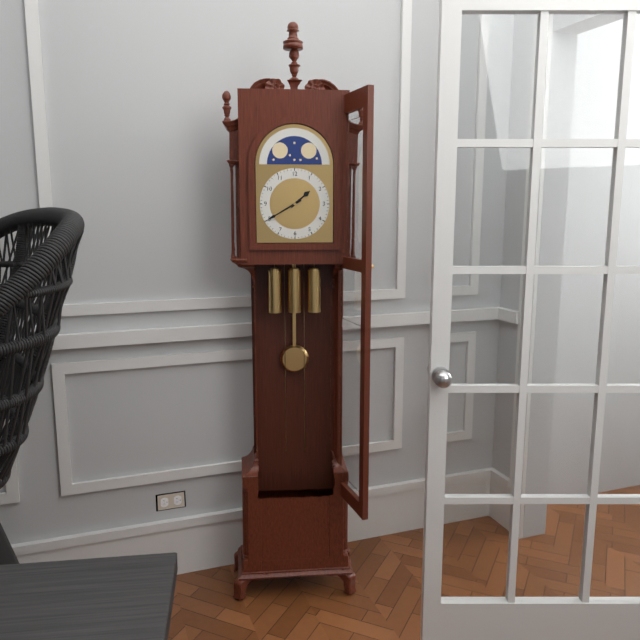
{"hour": 1, "minute": 40}
